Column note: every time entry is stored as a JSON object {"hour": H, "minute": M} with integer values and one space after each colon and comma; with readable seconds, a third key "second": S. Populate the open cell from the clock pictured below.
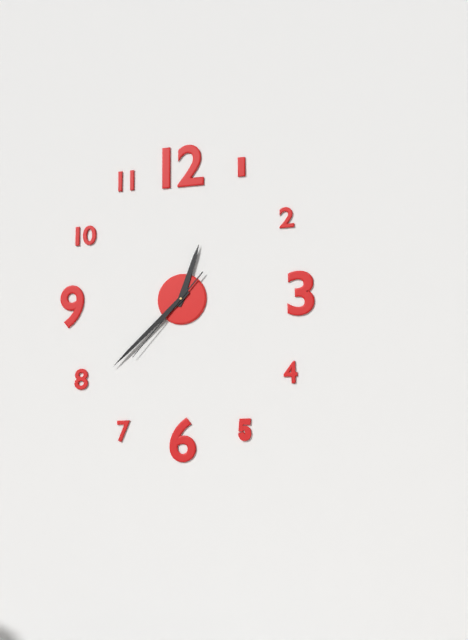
{"hour": 12, "minute": 38, "second": 37}
